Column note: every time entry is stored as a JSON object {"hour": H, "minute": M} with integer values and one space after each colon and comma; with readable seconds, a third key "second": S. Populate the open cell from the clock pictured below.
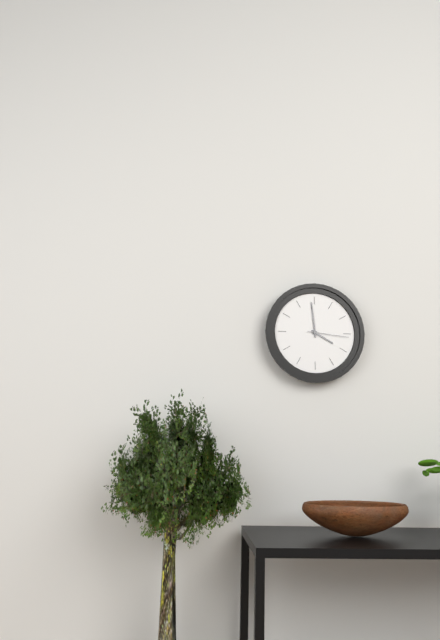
{"hour": 3, "minute": 59}
